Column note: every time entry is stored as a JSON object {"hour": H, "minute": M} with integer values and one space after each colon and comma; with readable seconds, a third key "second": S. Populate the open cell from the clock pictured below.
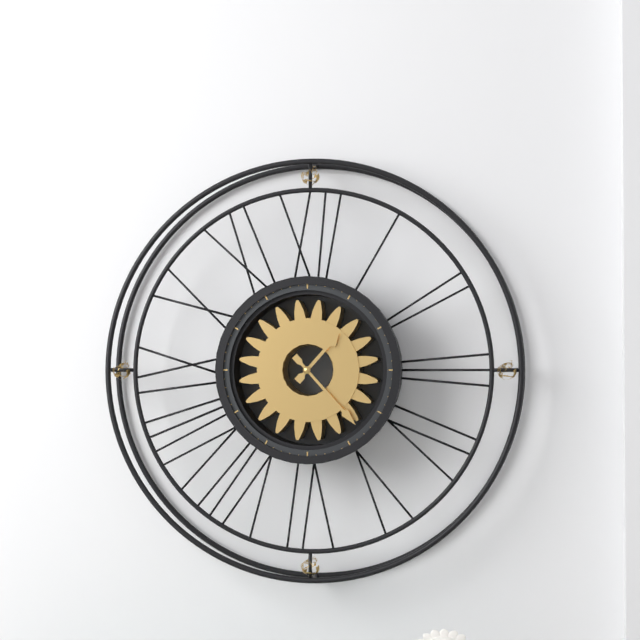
{"hour": 1, "minute": 23}
